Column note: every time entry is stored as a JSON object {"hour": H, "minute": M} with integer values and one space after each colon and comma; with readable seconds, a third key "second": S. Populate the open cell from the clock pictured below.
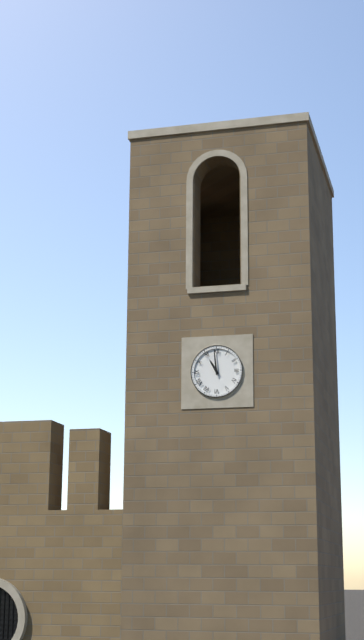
{"hour": 10, "minute": 59}
